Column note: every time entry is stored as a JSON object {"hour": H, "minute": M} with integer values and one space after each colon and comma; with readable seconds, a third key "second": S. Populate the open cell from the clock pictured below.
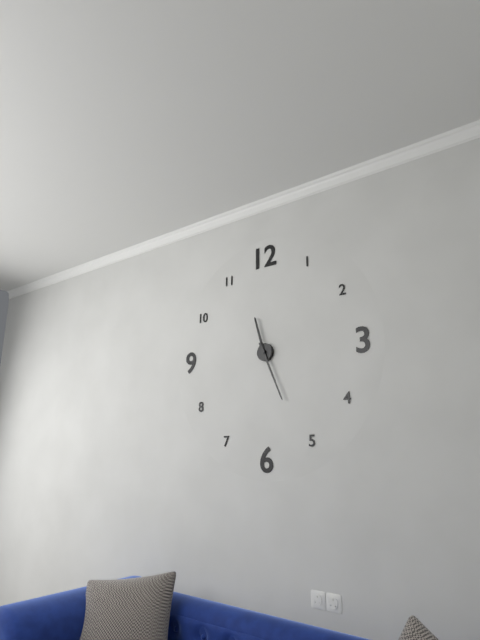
{"hour": 11, "minute": 26}
